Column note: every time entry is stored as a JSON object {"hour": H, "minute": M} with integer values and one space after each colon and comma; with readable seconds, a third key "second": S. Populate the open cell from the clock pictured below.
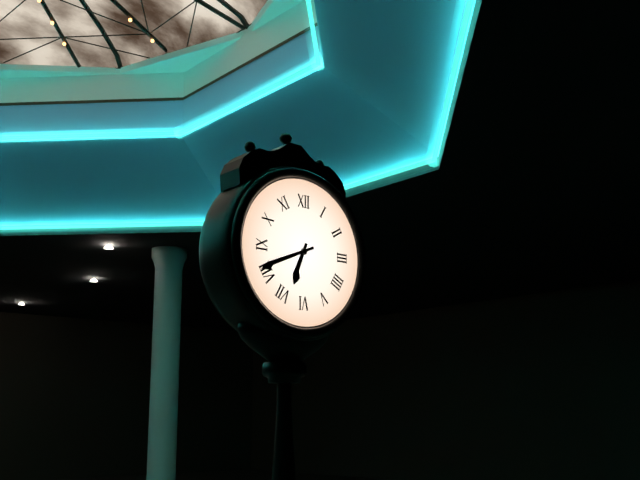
{"hour": 6, "minute": 41}
